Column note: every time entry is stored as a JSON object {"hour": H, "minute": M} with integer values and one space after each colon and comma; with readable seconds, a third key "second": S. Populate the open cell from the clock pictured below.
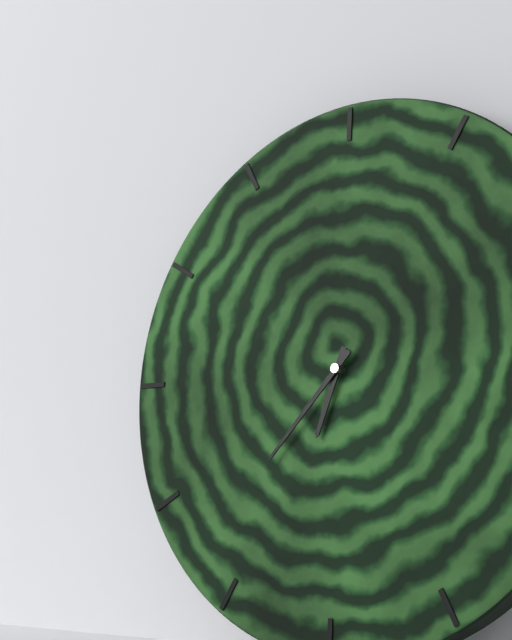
{"hour": 6, "minute": 37}
